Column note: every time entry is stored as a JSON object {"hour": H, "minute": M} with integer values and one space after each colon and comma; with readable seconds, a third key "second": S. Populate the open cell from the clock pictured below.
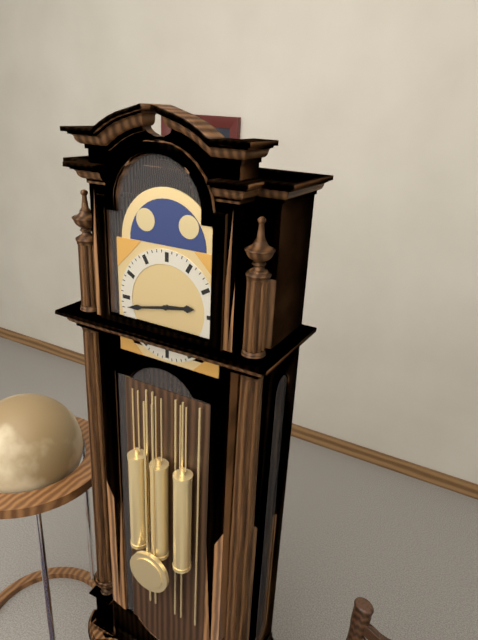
{"hour": 2, "minute": 43}
